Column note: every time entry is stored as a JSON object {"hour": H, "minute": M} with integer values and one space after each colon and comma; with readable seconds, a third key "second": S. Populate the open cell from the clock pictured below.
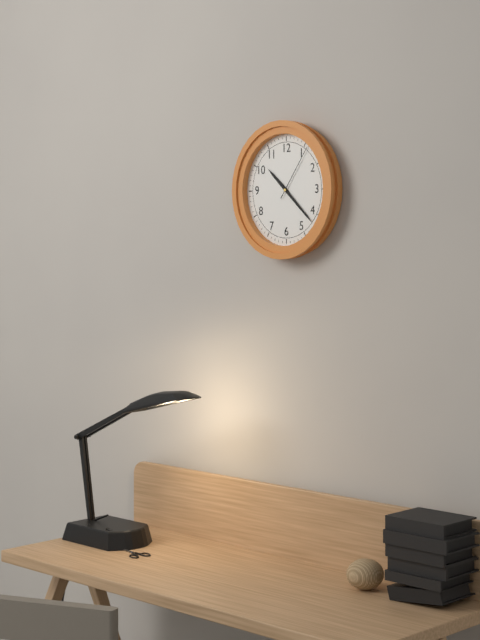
{"hour": 10, "minute": 22, "second": 6}
